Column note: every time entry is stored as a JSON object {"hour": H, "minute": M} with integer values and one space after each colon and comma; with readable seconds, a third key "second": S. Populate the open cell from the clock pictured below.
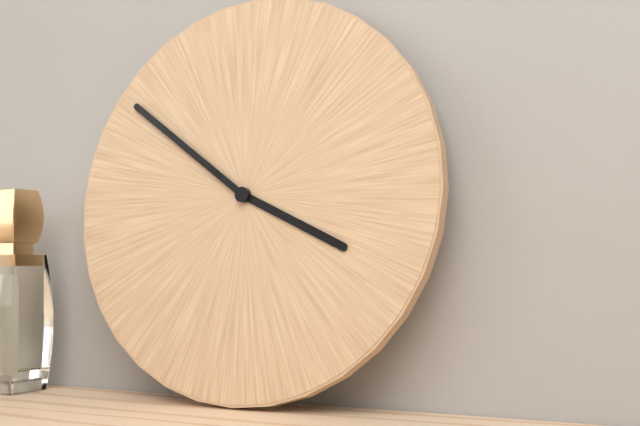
{"hour": 3, "minute": 51}
